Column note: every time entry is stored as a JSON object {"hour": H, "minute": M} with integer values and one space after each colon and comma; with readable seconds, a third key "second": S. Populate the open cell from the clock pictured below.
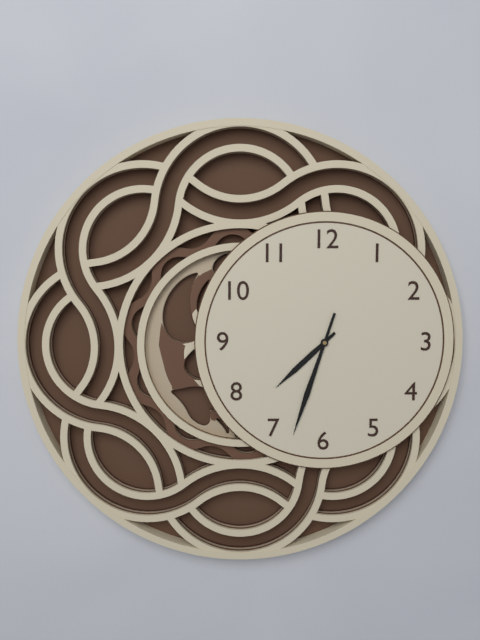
{"hour": 7, "minute": 33}
